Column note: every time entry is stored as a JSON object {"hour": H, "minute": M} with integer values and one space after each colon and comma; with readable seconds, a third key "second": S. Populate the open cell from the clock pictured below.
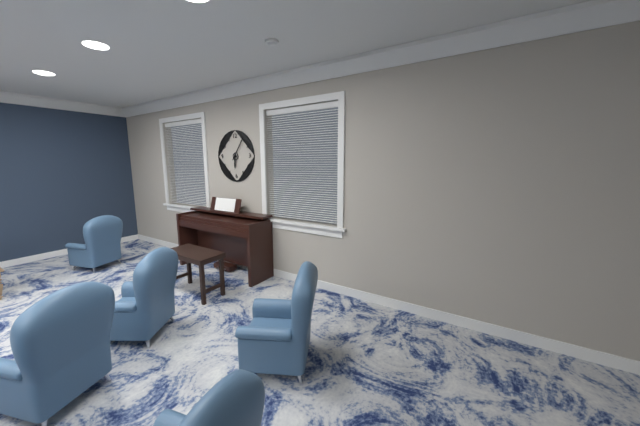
{"hour": 6, "minute": 6}
